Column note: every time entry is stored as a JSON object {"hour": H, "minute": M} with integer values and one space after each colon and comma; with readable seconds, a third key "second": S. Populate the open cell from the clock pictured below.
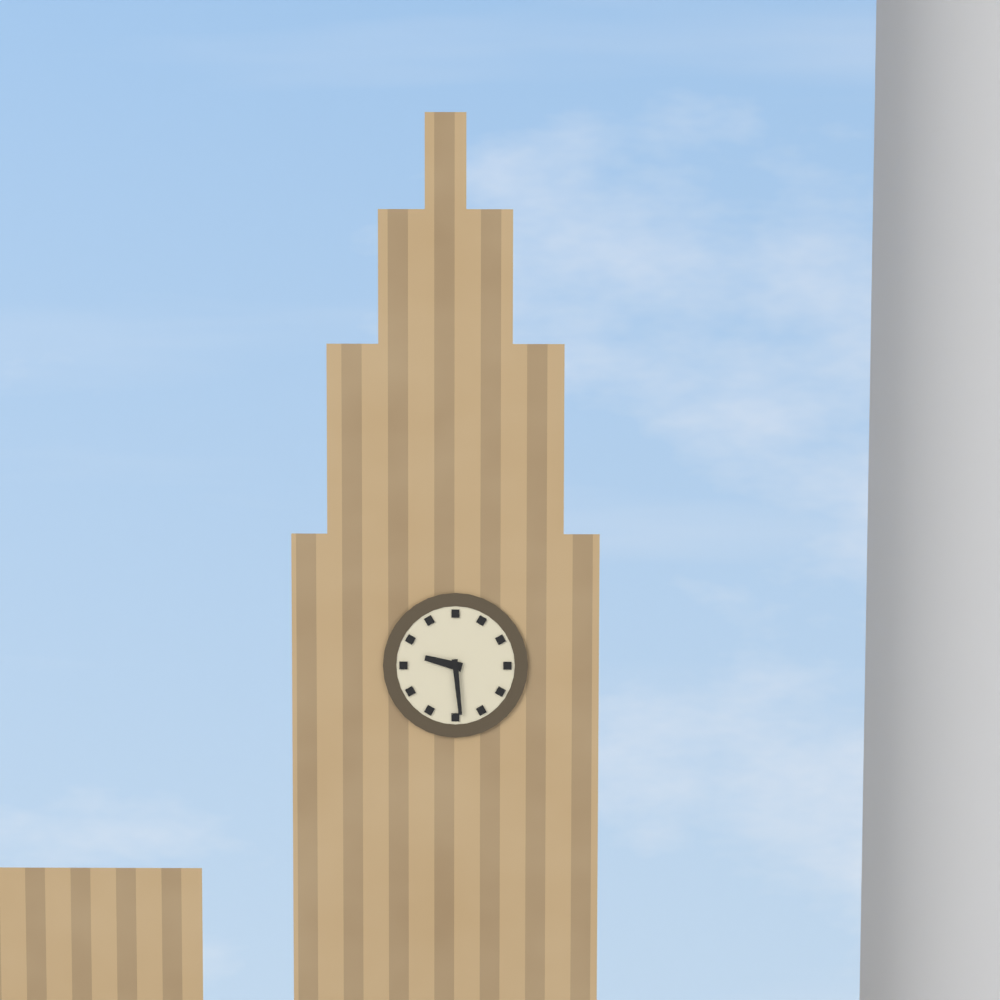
{"hour": 9, "minute": 29}
